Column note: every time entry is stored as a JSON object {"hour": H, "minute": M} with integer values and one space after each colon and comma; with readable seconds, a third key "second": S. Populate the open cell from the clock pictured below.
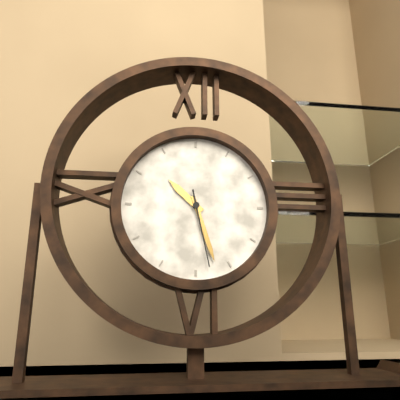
{"hour": 10, "minute": 27, "second": 28}
